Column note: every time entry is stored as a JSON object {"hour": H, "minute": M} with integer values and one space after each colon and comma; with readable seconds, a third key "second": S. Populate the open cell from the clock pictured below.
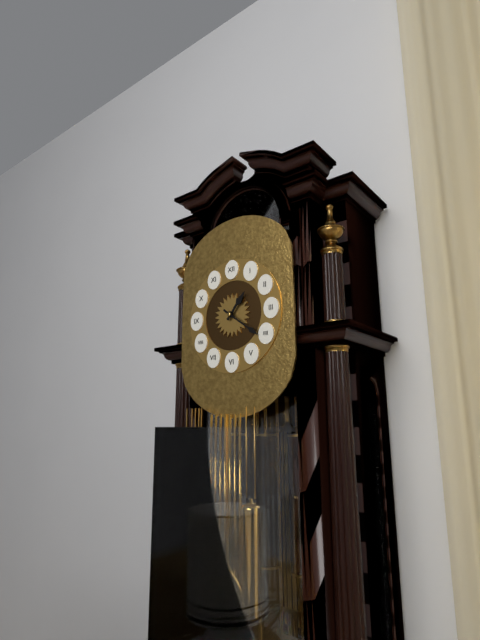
{"hour": 1, "minute": 21}
